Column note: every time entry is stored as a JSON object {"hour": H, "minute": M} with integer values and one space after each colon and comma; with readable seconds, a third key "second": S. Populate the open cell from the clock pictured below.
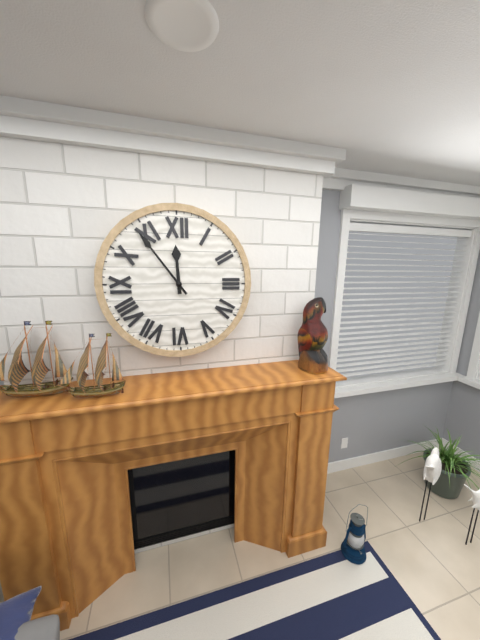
{"hour": 11, "minute": 54}
